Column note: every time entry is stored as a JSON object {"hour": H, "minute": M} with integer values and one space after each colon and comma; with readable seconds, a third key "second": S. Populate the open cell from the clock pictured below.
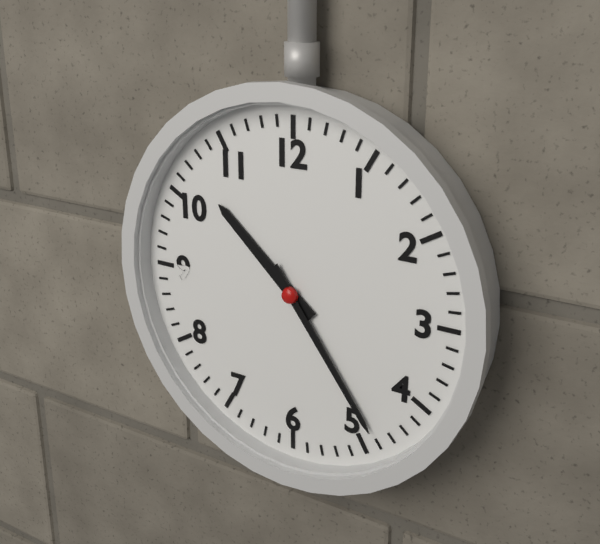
{"hour": 10, "minute": 24}
